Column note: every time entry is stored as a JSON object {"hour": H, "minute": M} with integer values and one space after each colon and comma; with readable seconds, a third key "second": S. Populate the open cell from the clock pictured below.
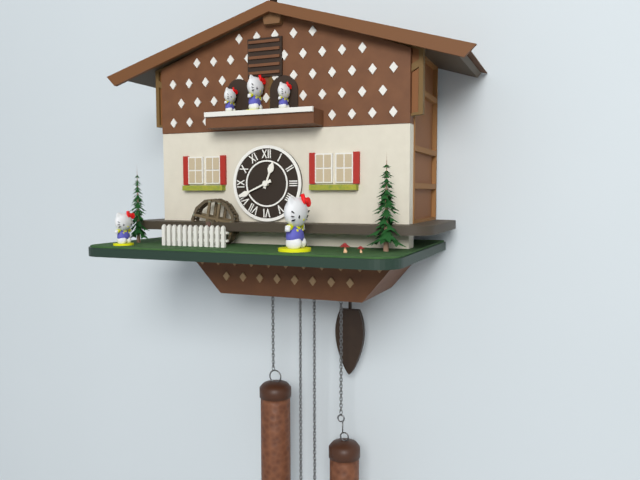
{"hour": 12, "minute": 41}
